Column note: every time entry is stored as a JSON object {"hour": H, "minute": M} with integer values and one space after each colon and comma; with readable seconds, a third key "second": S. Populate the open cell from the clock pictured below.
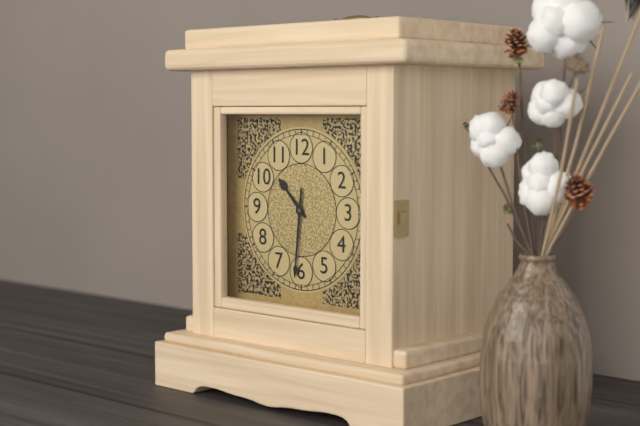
{"hour": 10, "minute": 31}
